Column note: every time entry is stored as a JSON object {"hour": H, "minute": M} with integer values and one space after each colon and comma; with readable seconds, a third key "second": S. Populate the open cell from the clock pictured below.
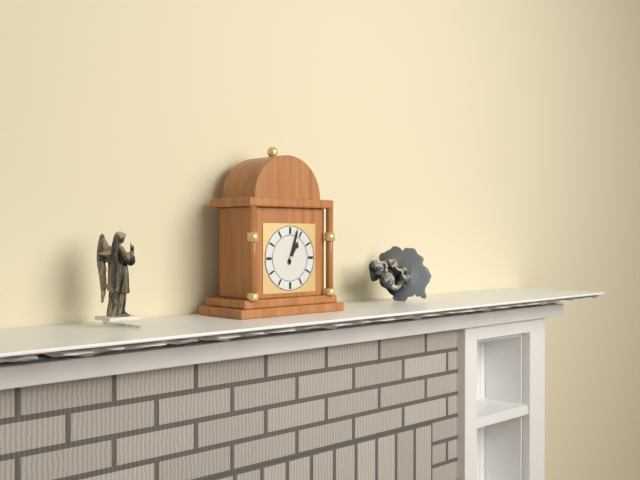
{"hour": 1, "minute": 3}
